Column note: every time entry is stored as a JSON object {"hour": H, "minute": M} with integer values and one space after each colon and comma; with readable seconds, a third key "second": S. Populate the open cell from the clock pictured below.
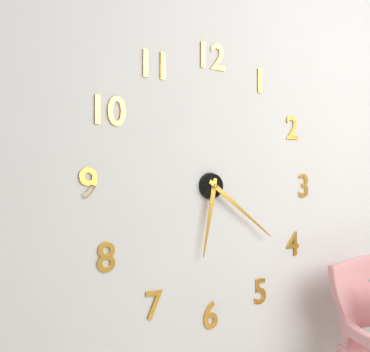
{"hour": 6, "minute": 21}
